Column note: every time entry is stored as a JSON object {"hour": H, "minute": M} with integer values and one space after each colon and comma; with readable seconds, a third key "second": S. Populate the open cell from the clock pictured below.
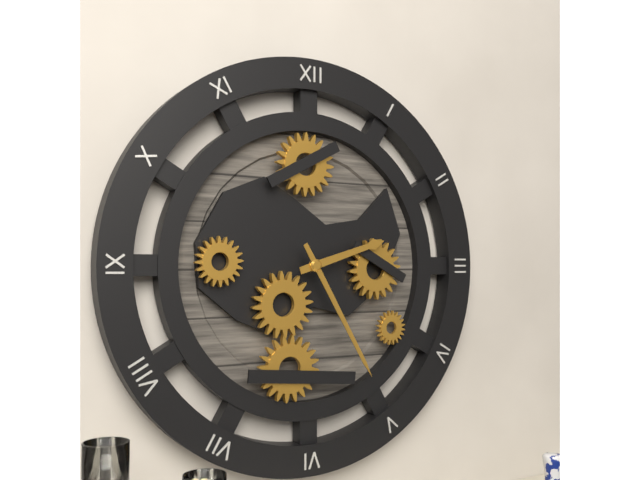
{"hour": 2, "minute": 25}
